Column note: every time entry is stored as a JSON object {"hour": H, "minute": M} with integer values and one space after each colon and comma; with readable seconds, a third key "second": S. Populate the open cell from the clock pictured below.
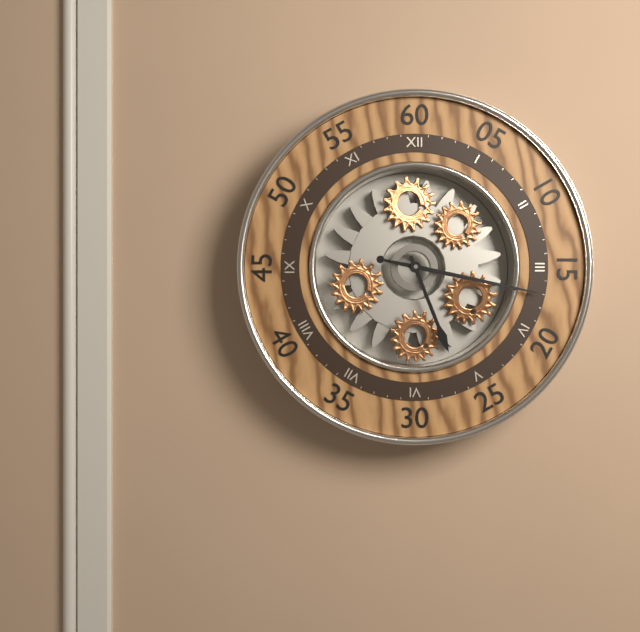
{"hour": 5, "minute": 17}
